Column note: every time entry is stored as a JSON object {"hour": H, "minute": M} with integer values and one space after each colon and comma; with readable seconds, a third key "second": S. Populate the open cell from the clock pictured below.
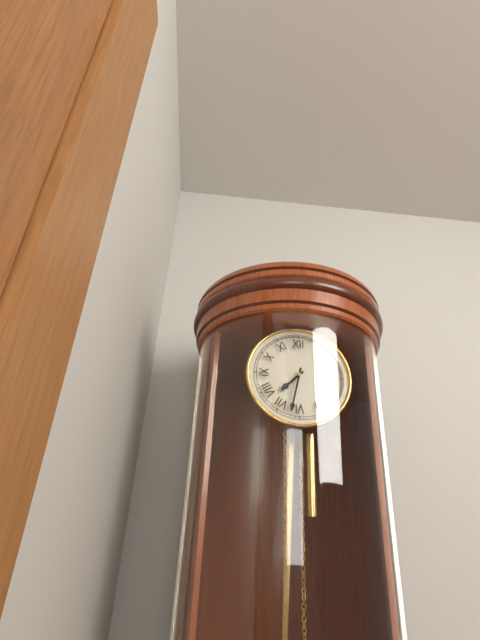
{"hour": 7, "minute": 32}
